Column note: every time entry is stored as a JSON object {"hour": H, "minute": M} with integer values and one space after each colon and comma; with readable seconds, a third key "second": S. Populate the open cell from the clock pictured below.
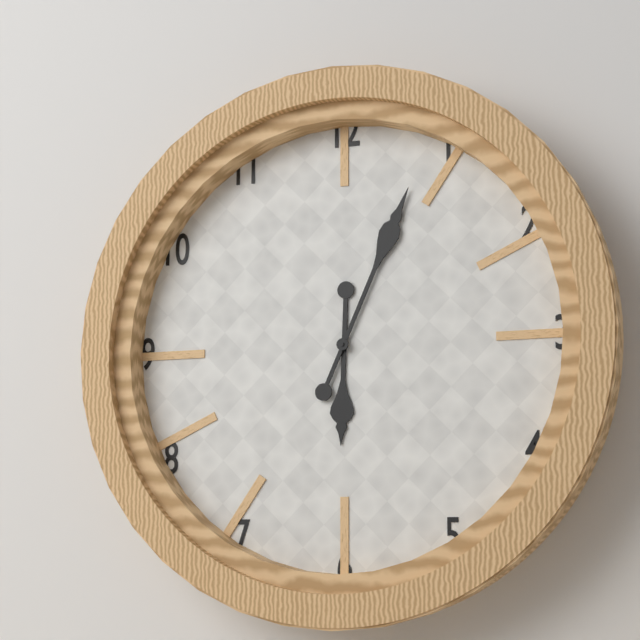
{"hour": 6, "minute": 4}
